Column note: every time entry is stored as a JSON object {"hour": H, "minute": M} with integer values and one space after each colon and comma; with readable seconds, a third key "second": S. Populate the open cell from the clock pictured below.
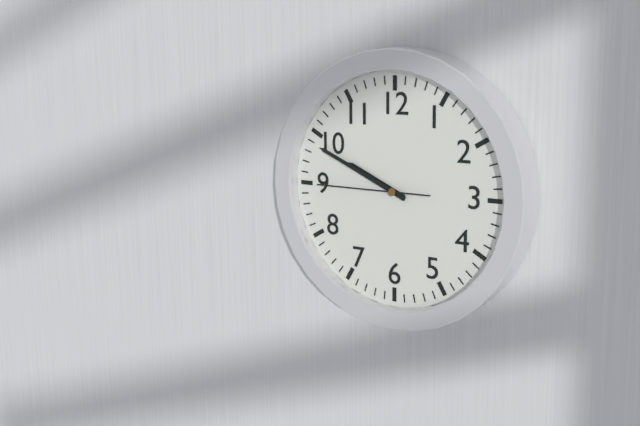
{"hour": 9, "minute": 49, "second": 45}
